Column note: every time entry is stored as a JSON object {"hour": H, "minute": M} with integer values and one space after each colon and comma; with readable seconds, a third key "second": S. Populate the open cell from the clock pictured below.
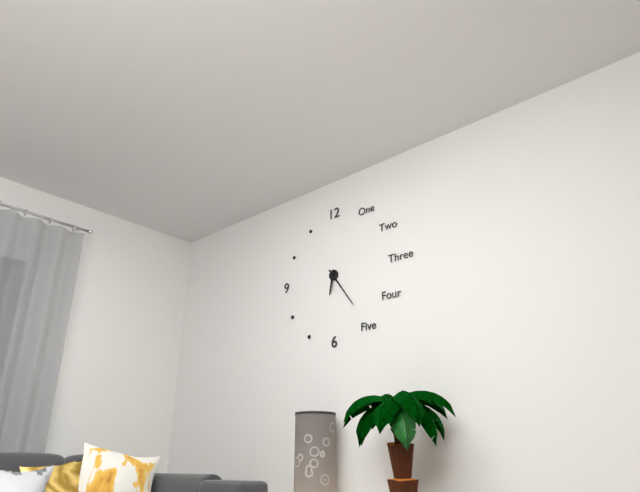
{"hour": 6, "minute": 24}
